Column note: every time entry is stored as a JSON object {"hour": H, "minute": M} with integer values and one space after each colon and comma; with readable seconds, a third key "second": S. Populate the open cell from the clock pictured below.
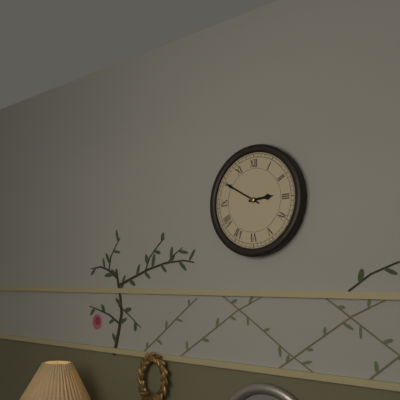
{"hour": 2, "minute": 50}
